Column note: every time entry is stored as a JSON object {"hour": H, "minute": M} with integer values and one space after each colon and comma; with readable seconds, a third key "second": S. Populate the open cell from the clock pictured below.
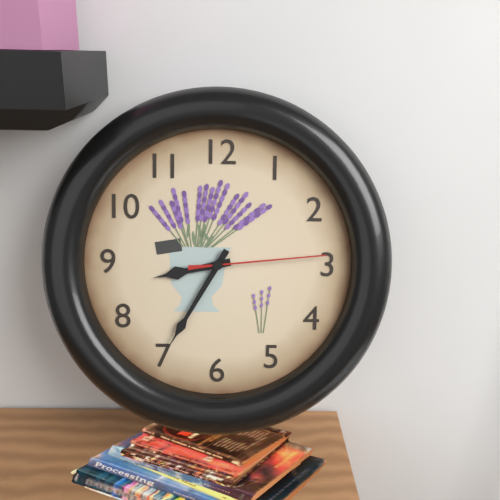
{"hour": 8, "minute": 35, "second": 14}
